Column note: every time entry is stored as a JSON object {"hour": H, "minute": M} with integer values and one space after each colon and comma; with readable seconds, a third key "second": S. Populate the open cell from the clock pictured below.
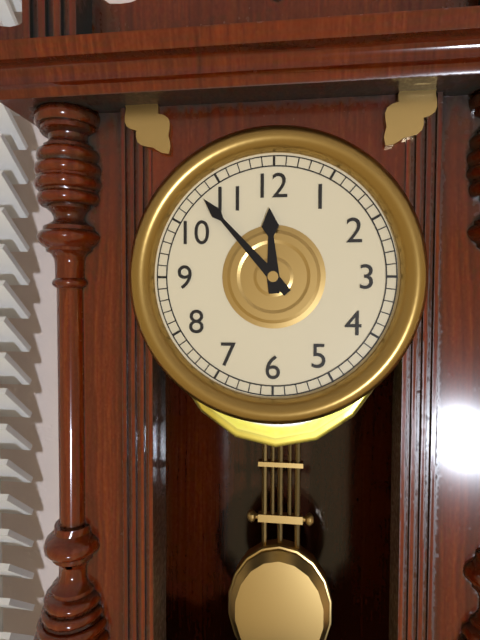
{"hour": 11, "minute": 53}
